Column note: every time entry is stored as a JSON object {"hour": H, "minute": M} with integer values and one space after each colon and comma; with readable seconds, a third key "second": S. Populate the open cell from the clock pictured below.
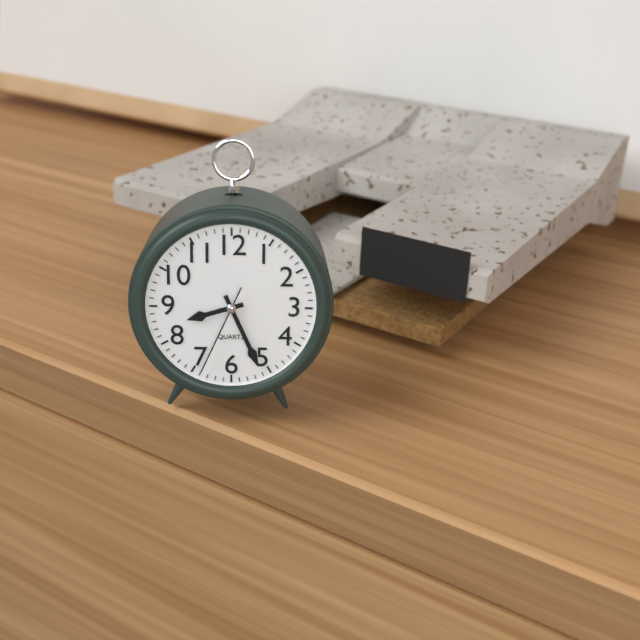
{"hour": 8, "minute": 26, "second": 34}
